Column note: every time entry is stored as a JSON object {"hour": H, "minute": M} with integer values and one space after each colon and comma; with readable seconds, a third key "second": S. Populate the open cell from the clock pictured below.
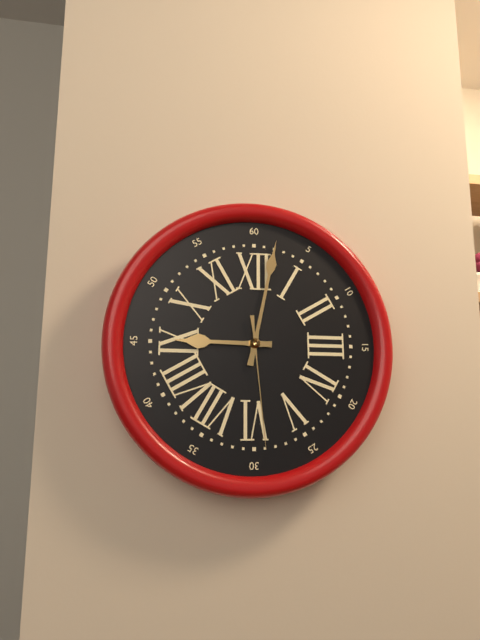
{"hour": 9, "minute": 2, "second": 29}
